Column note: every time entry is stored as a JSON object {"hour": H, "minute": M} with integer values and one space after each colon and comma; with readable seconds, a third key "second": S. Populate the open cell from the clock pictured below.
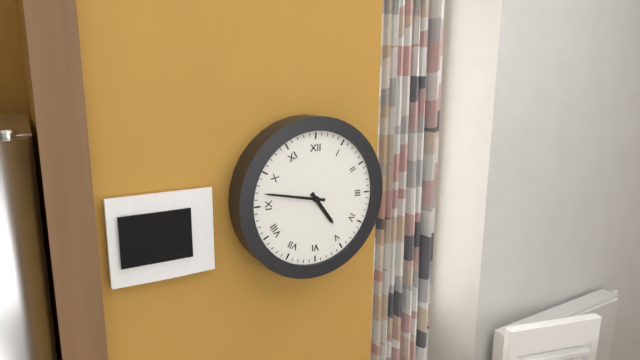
{"hour": 4, "minute": 47}
